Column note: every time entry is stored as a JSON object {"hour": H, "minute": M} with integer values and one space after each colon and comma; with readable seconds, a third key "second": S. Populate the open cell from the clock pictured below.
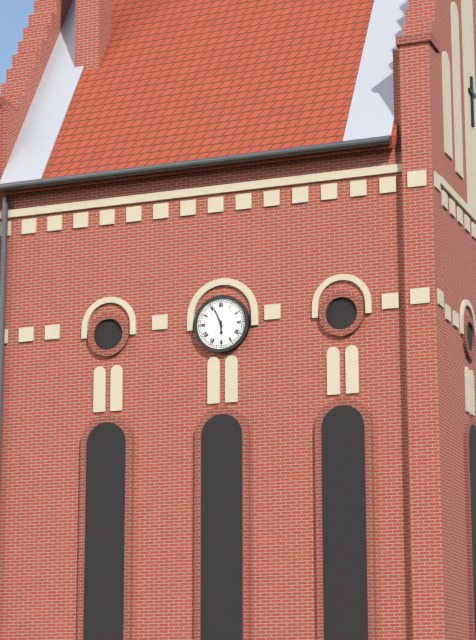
{"hour": 5, "minute": 56}
